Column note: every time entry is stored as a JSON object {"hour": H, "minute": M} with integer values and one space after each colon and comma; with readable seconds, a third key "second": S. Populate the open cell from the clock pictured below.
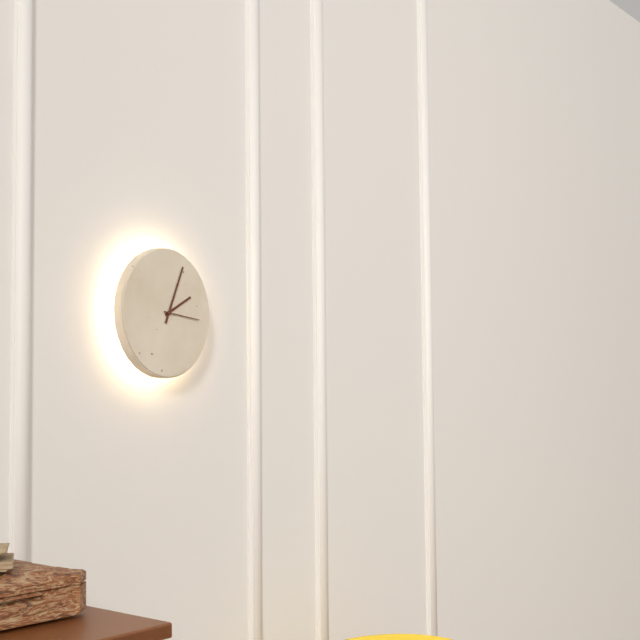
{"hour": 2, "minute": 4}
